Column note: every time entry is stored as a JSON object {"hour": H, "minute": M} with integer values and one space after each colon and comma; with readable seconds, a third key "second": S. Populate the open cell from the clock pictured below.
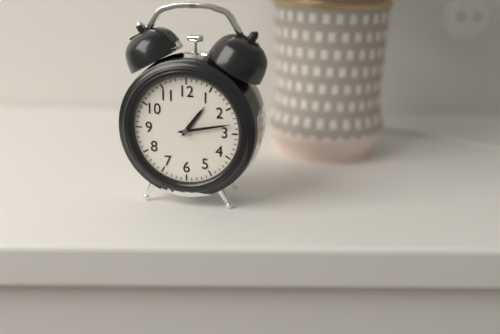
{"hour": 1, "minute": 13}
